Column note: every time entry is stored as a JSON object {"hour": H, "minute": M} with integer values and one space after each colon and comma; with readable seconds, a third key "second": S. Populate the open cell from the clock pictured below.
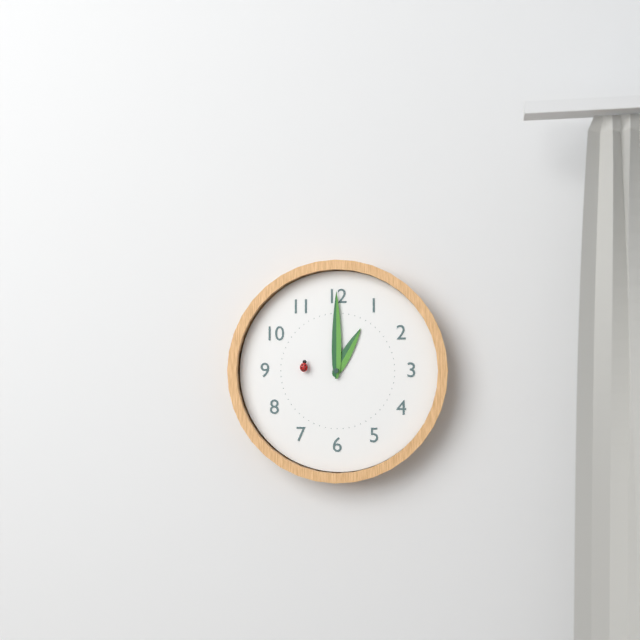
{"hour": 1, "minute": 0}
